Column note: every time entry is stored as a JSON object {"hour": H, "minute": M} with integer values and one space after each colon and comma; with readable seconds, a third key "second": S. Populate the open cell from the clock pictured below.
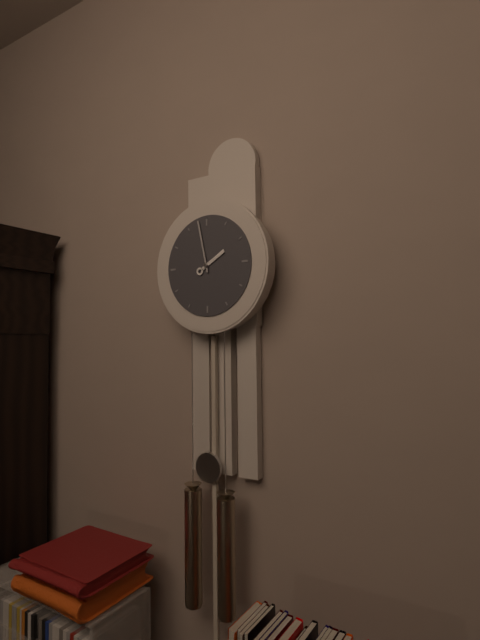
{"hour": 1, "minute": 58}
